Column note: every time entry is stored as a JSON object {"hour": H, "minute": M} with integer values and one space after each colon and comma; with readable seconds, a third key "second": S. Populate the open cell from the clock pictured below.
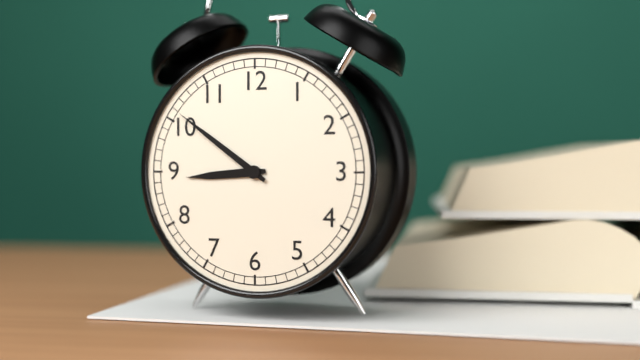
{"hour": 8, "minute": 51}
